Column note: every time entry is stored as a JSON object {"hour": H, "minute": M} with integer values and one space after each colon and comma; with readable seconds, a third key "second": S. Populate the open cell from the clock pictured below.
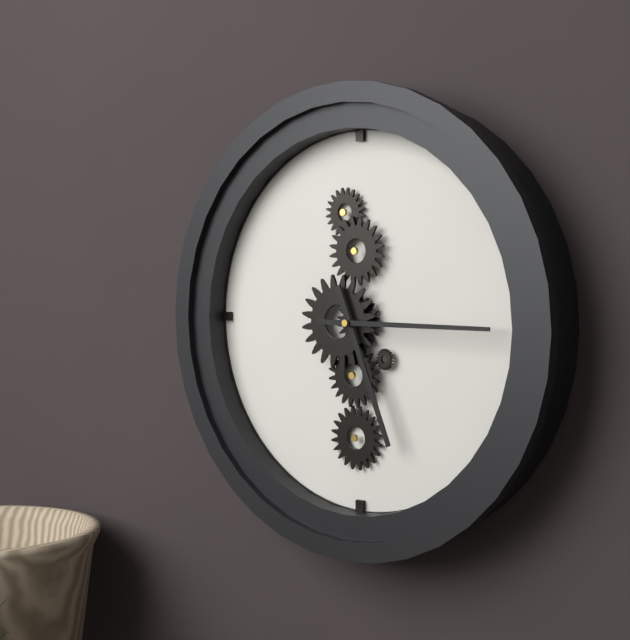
{"hour": 5, "minute": 15}
